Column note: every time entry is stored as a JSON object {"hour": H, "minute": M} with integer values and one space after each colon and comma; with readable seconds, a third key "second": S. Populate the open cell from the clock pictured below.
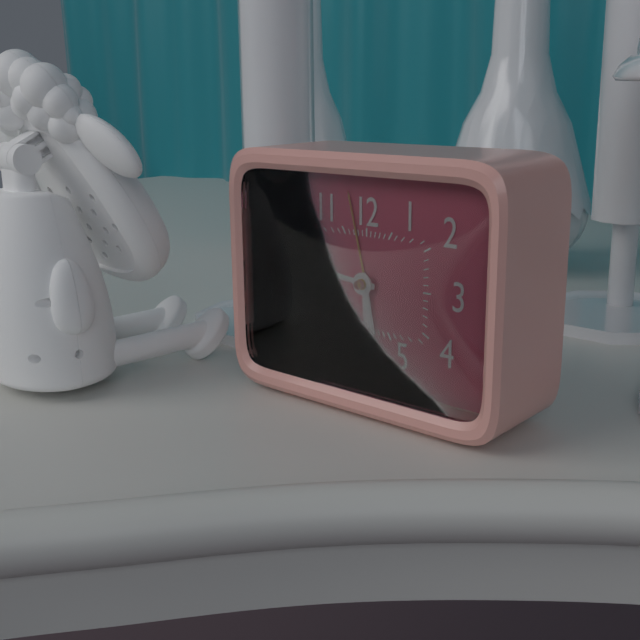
{"hour": 5, "minute": 46}
